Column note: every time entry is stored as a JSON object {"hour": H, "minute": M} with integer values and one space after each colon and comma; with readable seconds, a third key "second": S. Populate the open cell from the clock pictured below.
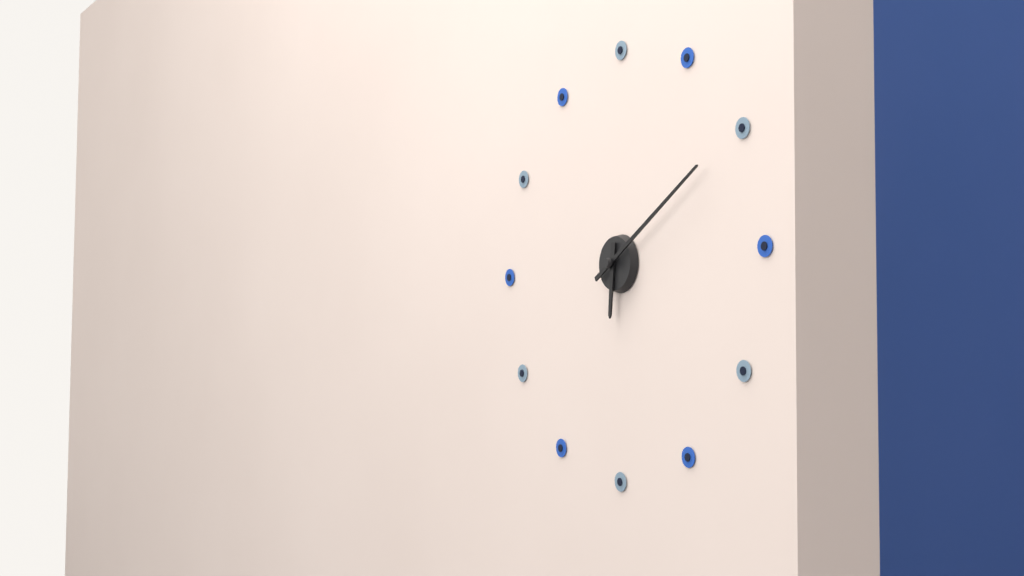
{"hour": 6, "minute": 10}
